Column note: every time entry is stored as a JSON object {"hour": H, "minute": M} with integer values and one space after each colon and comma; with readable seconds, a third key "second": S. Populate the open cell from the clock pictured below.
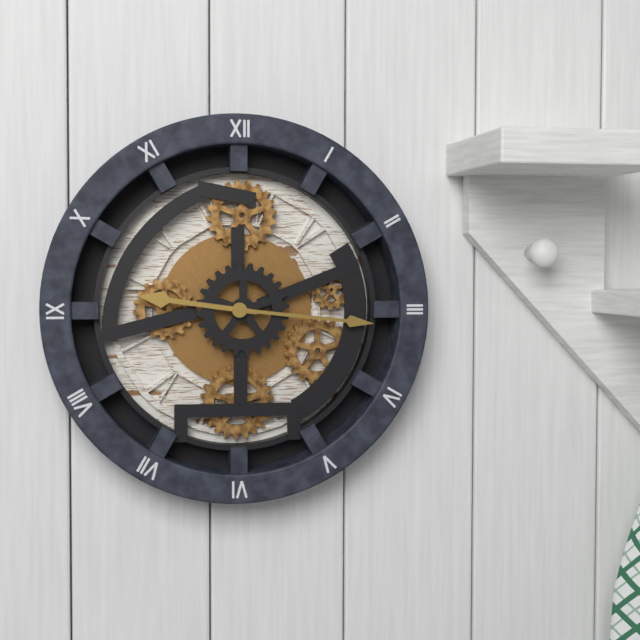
{"hour": 9, "minute": 16}
